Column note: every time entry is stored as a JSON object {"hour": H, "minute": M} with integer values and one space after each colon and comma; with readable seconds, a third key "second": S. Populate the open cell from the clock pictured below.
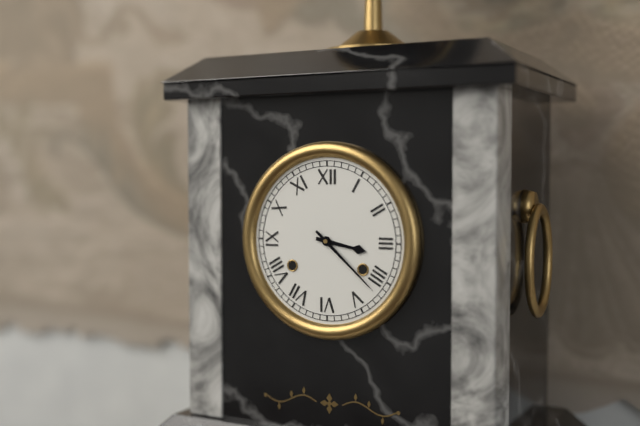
{"hour": 3, "minute": 22}
